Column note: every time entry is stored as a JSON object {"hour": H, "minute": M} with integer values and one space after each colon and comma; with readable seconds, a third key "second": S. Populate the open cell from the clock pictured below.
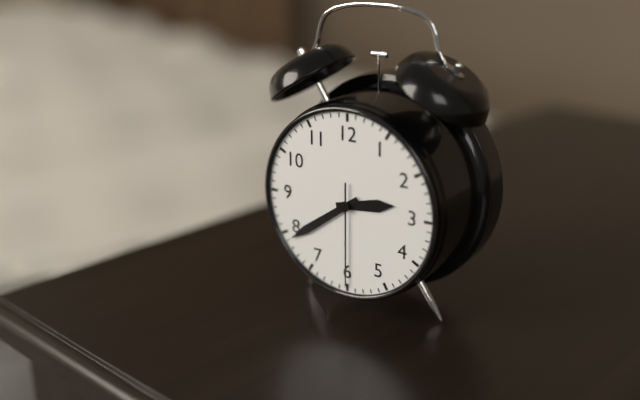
{"hour": 2, "minute": 39, "second": 30}
